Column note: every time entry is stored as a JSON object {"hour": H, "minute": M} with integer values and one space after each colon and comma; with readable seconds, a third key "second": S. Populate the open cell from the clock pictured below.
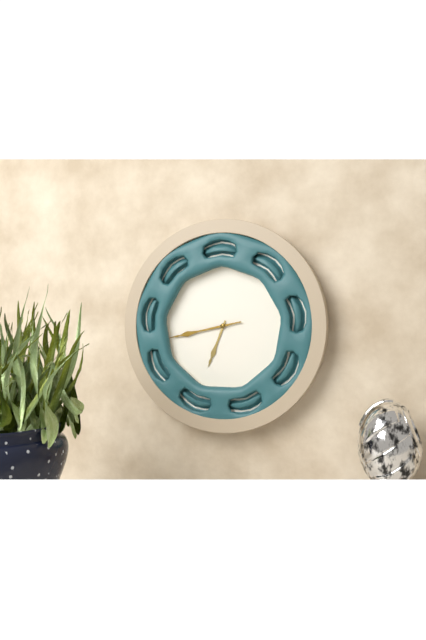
{"hour": 6, "minute": 43}
